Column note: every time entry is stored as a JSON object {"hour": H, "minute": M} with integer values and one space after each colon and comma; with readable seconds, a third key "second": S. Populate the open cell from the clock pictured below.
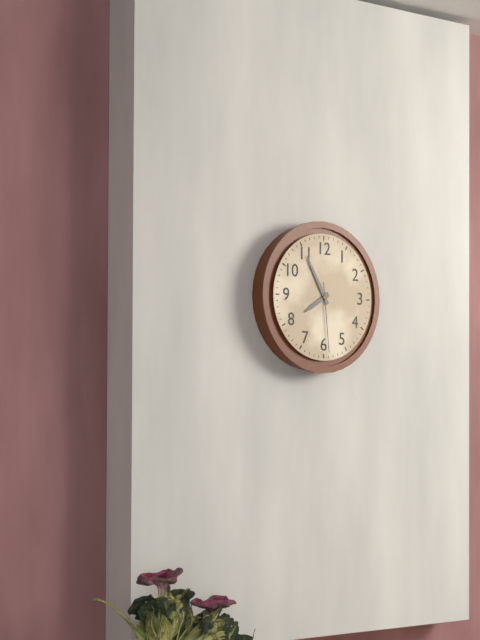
{"hour": 7, "minute": 55, "second": 29}
